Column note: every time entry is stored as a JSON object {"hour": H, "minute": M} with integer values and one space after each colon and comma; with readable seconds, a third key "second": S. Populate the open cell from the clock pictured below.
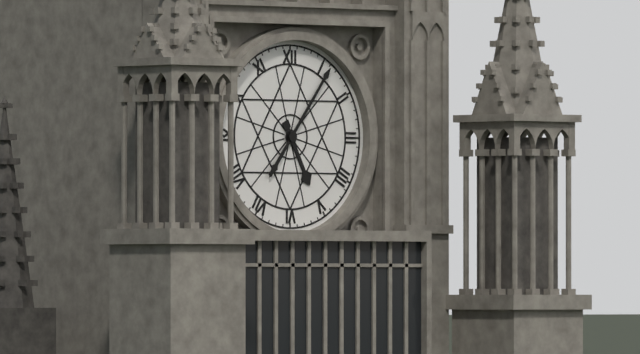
{"hour": 5, "minute": 6}
